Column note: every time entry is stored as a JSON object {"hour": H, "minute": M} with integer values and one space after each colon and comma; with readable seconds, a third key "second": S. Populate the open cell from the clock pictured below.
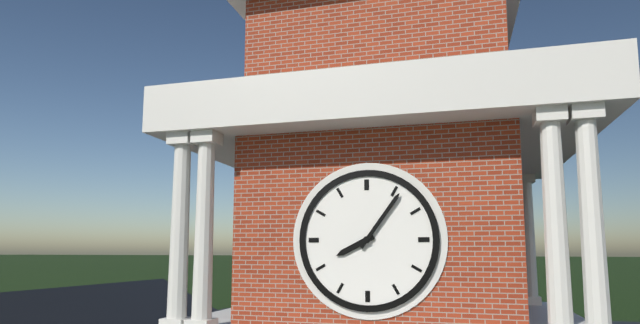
{"hour": 8, "minute": 6}
